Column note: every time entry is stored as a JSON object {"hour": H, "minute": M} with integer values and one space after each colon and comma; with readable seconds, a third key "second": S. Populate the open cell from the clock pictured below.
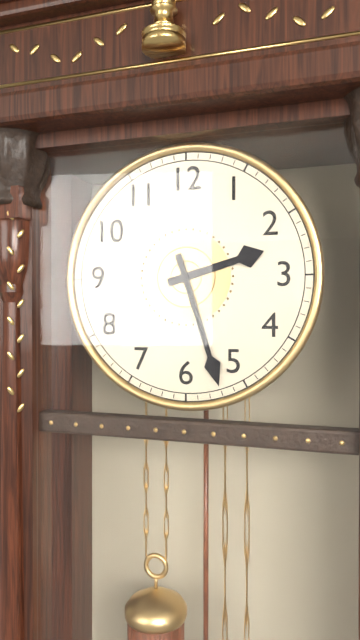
{"hour": 2, "minute": 27}
